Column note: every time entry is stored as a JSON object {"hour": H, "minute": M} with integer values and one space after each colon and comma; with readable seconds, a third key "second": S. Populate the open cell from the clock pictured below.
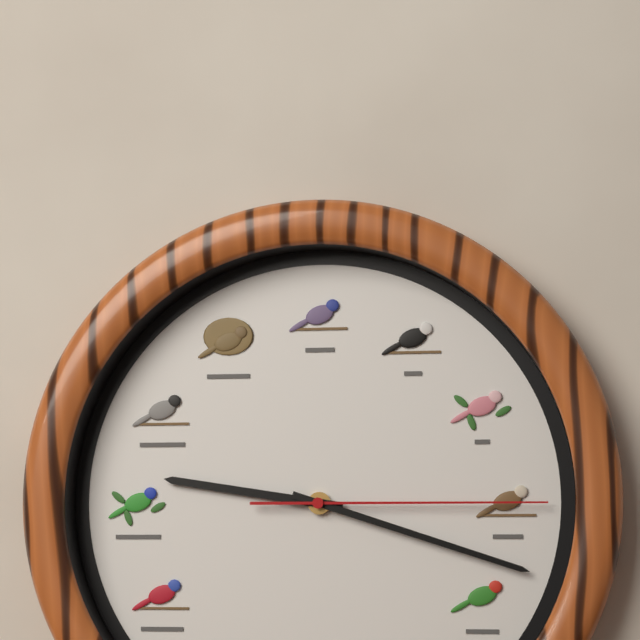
{"hour": 9, "minute": 18, "second": 15}
